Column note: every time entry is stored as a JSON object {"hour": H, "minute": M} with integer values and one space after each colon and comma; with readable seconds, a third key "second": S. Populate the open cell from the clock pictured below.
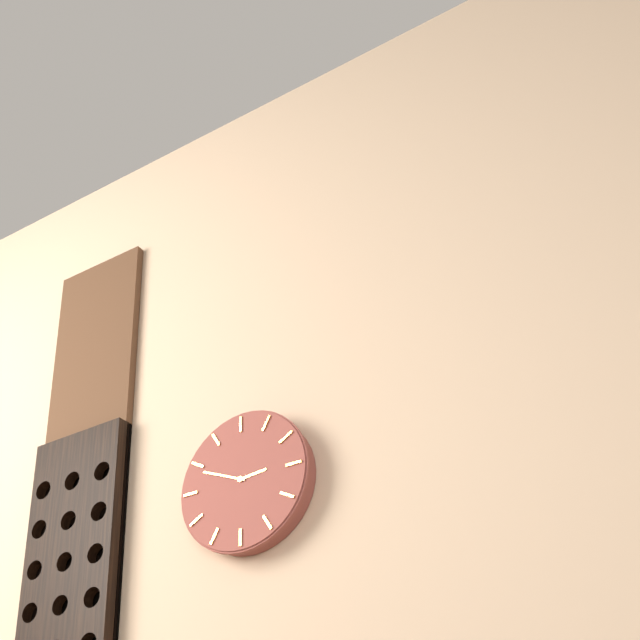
{"hour": 2, "minute": 49}
